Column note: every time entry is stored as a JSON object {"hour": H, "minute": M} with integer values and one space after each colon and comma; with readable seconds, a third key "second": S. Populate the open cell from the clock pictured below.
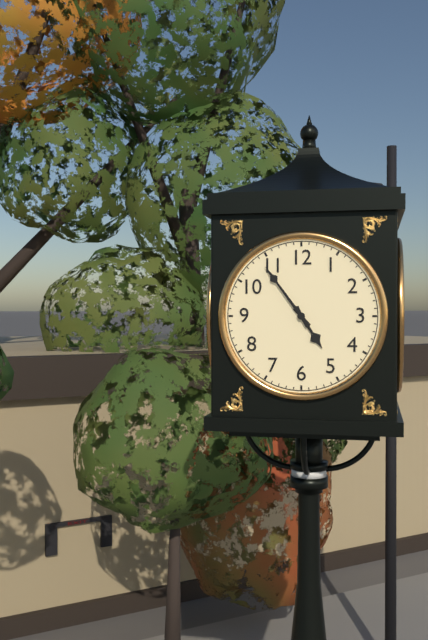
{"hour": 4, "minute": 54}
